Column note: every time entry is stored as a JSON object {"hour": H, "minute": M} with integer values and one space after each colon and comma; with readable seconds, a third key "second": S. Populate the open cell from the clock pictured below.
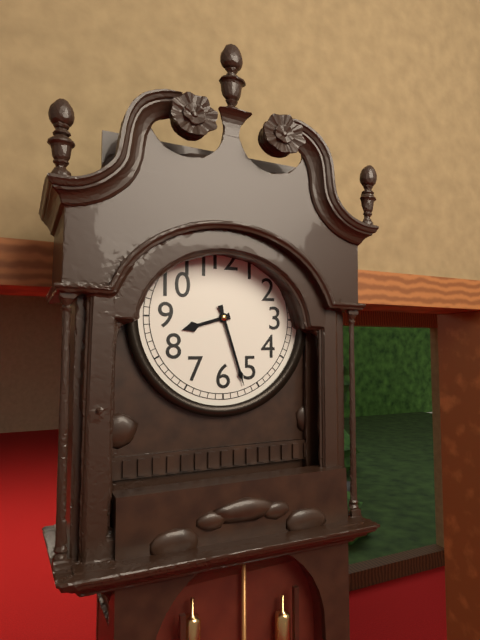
{"hour": 8, "minute": 27}
